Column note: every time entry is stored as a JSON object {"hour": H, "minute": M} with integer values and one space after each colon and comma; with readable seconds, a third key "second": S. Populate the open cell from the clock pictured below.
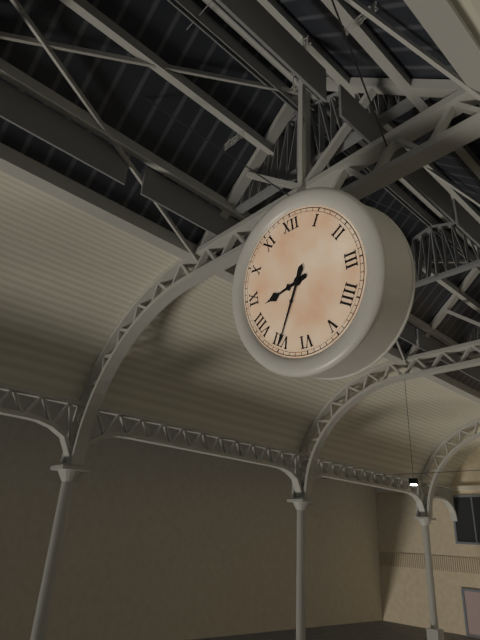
{"hour": 8, "minute": 35}
